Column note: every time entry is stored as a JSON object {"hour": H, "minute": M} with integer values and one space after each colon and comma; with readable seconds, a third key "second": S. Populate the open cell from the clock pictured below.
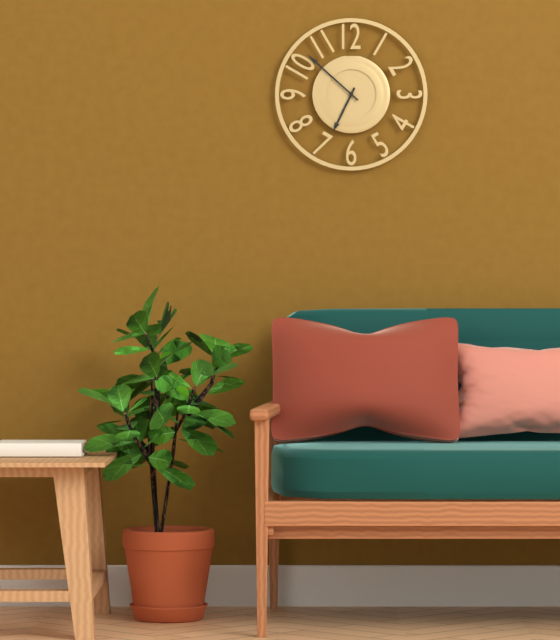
{"hour": 6, "minute": 52}
